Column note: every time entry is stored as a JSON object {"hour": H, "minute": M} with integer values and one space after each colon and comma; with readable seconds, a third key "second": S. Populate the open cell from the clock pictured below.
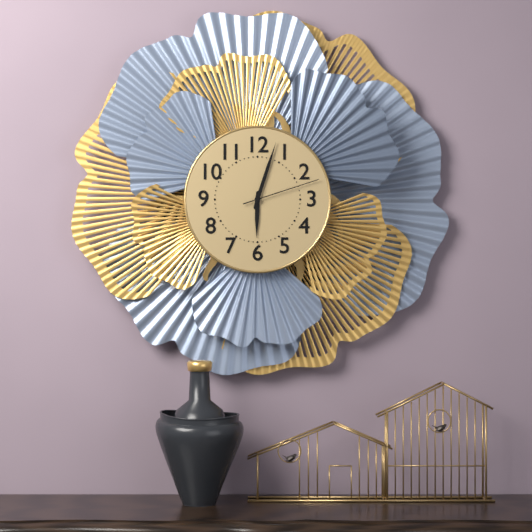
{"hour": 6, "minute": 3, "second": 12}
